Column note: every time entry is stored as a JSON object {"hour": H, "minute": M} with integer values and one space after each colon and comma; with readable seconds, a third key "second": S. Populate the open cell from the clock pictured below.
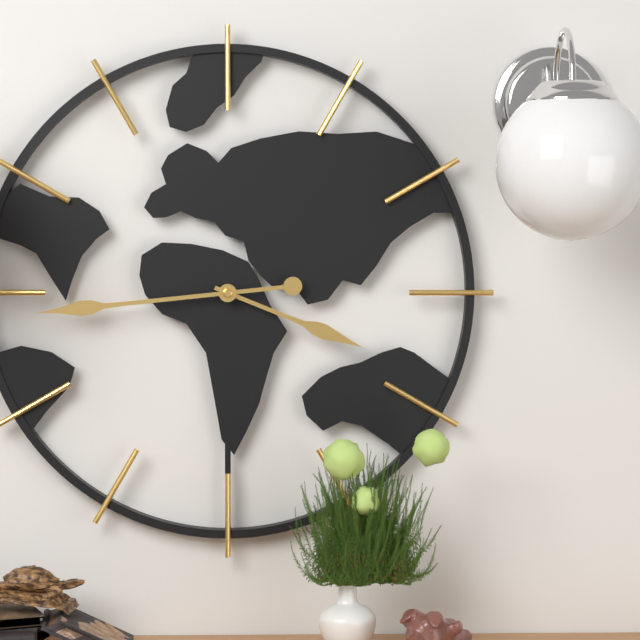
{"hour": 3, "minute": 44}
